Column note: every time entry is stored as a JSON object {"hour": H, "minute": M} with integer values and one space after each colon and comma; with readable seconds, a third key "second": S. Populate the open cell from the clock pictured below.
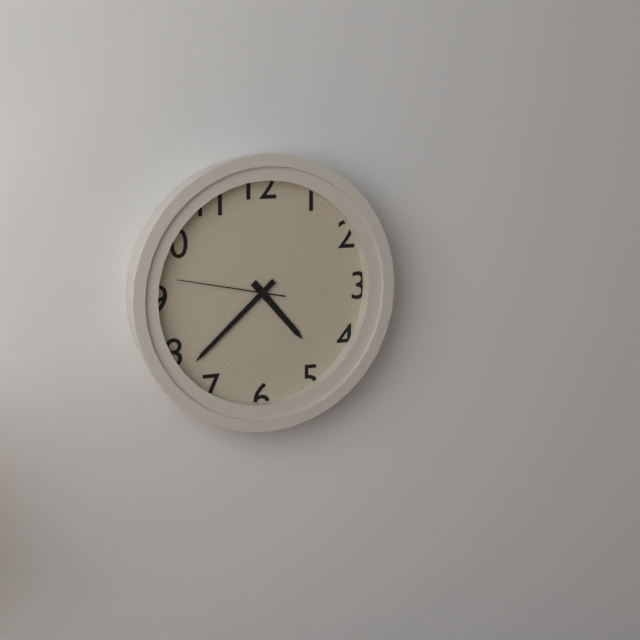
{"hour": 4, "minute": 38, "second": 47}
